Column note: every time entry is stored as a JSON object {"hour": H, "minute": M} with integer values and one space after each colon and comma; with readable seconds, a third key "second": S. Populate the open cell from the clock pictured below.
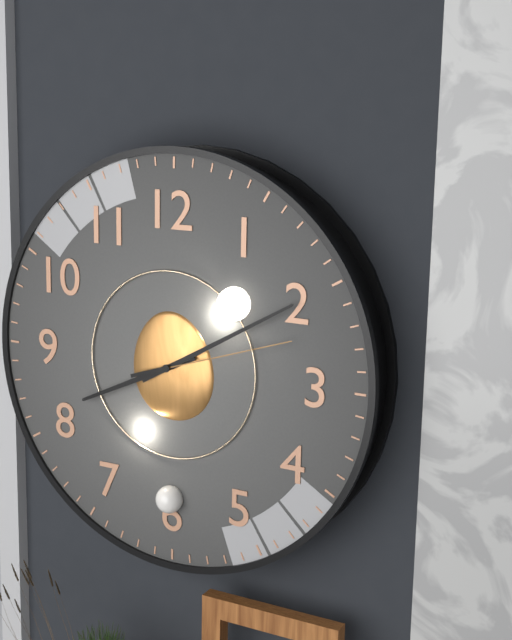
{"hour": 8, "minute": 10, "second": 12}
